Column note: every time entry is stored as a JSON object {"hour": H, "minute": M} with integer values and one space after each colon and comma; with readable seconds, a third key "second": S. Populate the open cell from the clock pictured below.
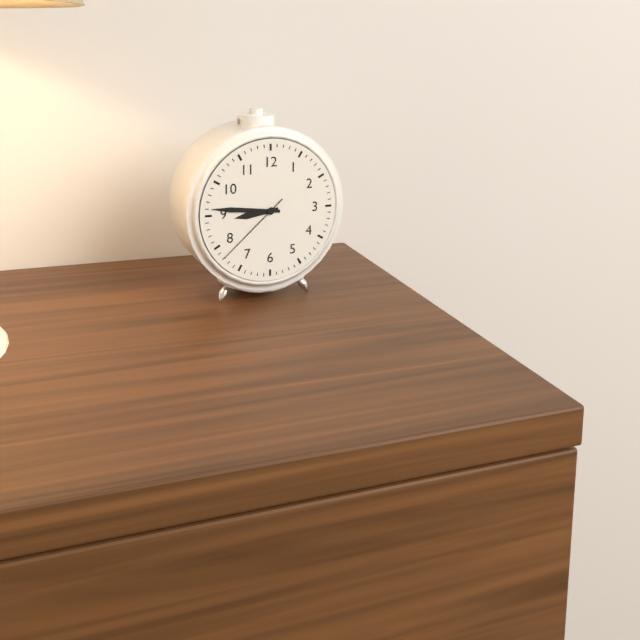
{"hour": 8, "minute": 46, "second": 38}
